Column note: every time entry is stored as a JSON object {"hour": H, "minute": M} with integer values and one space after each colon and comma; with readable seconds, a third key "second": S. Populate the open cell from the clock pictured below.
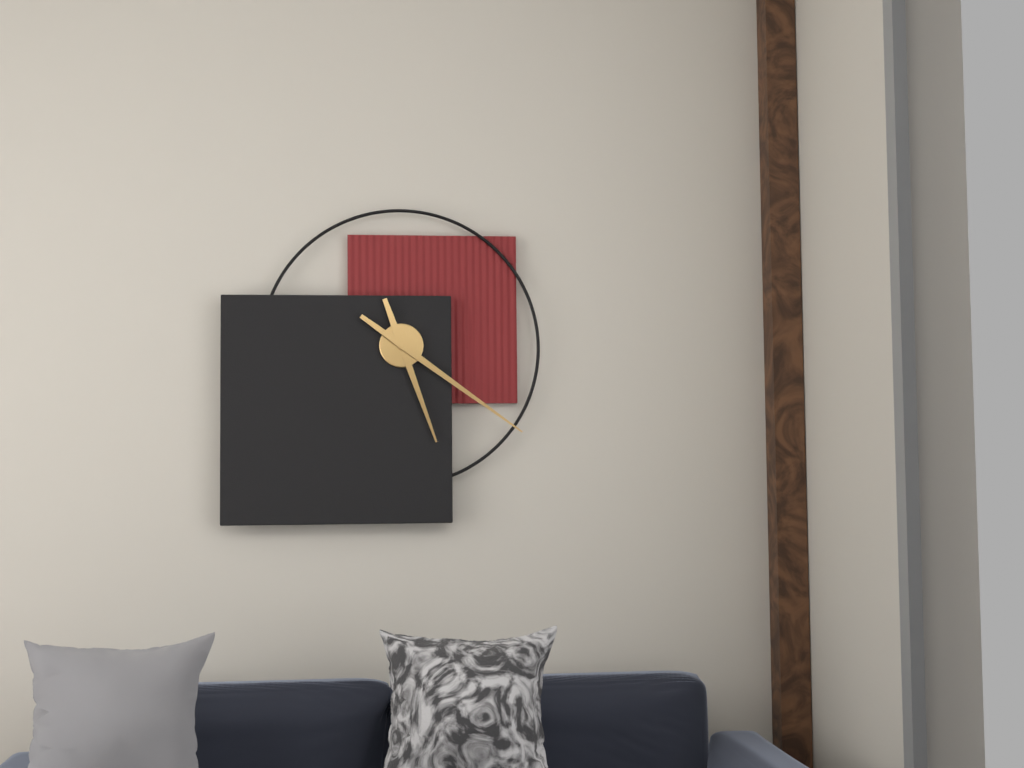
{"hour": 5, "minute": 21}
